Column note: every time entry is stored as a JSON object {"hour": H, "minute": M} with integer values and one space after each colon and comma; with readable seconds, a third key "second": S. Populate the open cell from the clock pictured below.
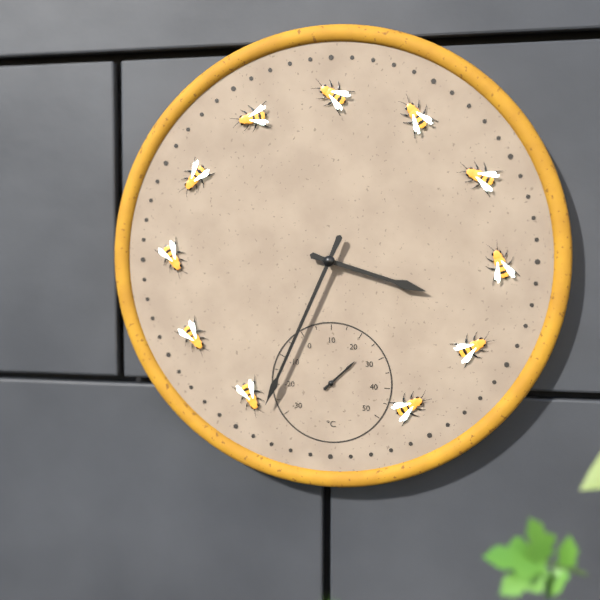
{"hour": 3, "minute": 34}
